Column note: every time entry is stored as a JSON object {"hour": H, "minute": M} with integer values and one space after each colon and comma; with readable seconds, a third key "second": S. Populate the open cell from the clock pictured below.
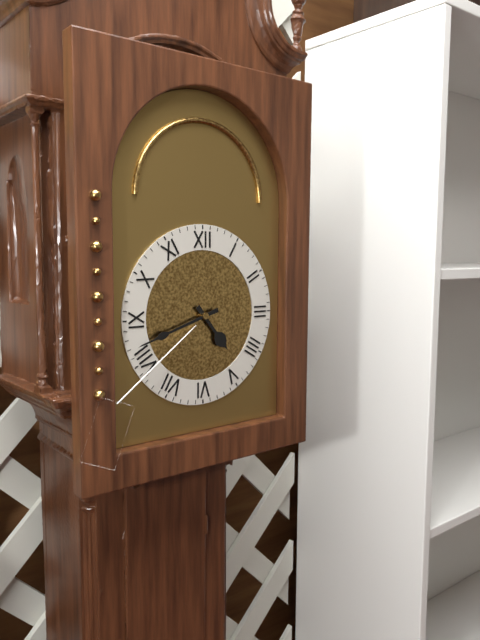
{"hour": 4, "minute": 42}
